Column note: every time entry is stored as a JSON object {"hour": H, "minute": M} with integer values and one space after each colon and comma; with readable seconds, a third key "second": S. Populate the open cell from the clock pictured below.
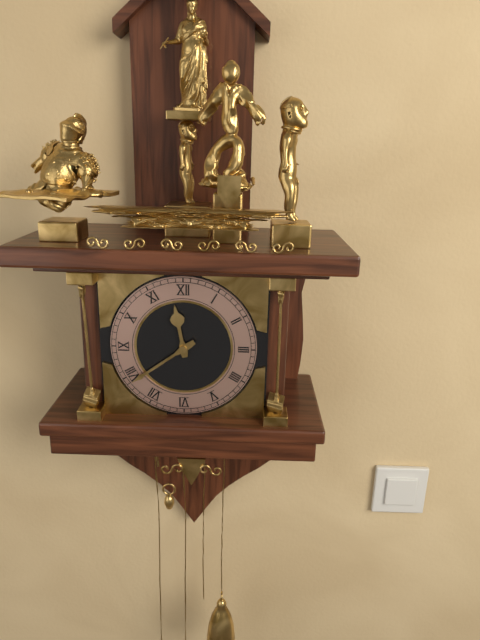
{"hour": 11, "minute": 39}
